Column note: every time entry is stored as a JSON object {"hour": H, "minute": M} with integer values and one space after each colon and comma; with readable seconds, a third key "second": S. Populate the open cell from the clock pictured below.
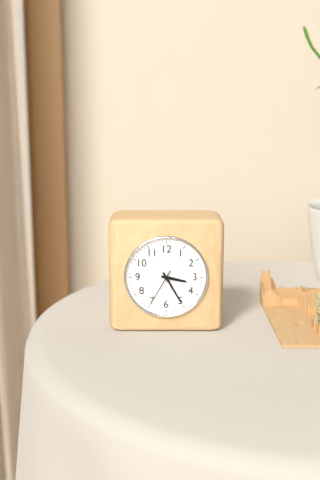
{"hour": 3, "minute": 25}
